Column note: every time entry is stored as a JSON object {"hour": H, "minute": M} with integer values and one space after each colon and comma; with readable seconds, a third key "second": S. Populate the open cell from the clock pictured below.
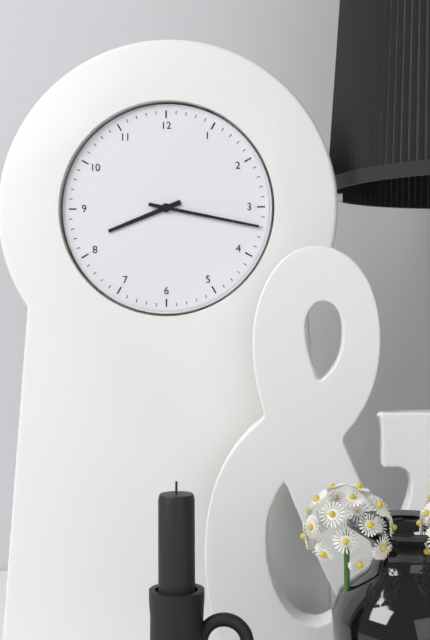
{"hour": 8, "minute": 17}
